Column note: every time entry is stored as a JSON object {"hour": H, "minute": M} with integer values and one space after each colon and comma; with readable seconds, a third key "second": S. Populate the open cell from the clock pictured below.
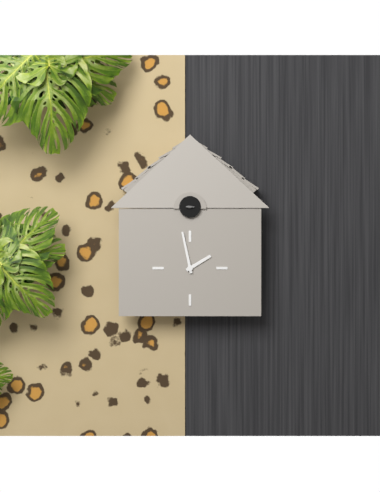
{"hour": 1, "minute": 58}
